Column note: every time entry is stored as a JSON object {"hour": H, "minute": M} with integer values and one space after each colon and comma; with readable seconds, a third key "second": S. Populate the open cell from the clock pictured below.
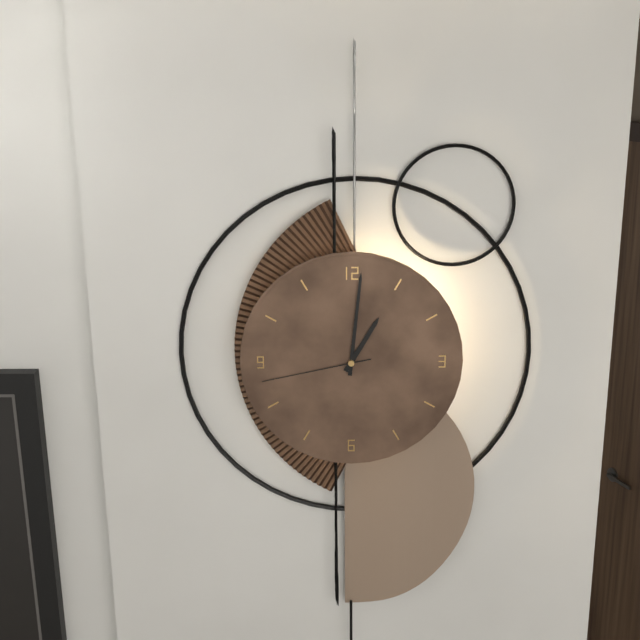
{"hour": 1, "minute": 1, "second": 43}
